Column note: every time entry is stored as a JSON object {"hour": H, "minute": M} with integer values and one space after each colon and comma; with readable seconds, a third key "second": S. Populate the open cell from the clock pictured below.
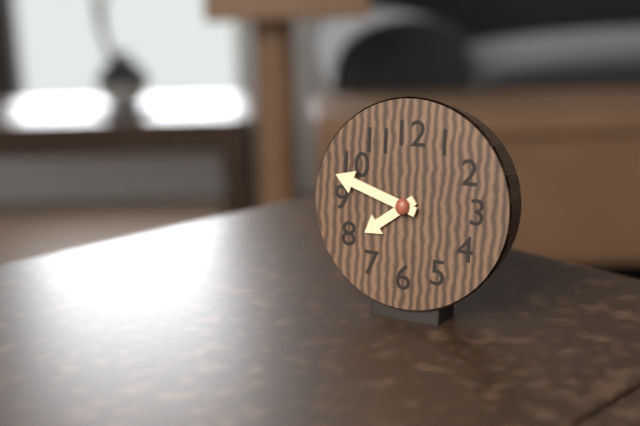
{"hour": 7, "minute": 48}
